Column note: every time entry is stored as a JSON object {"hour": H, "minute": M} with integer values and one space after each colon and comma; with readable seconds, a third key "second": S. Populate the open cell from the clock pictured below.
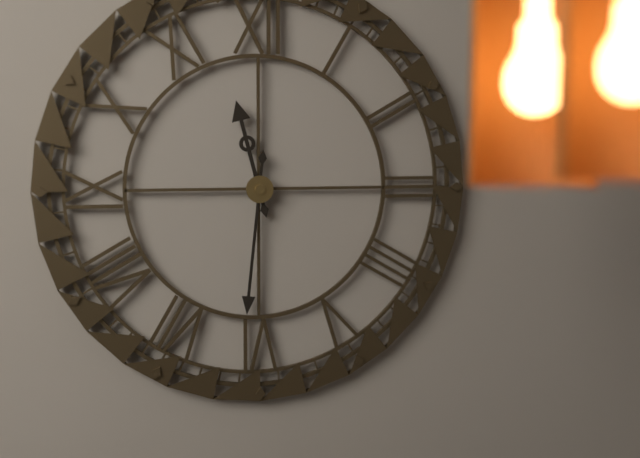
{"hour": 11, "minute": 31}
